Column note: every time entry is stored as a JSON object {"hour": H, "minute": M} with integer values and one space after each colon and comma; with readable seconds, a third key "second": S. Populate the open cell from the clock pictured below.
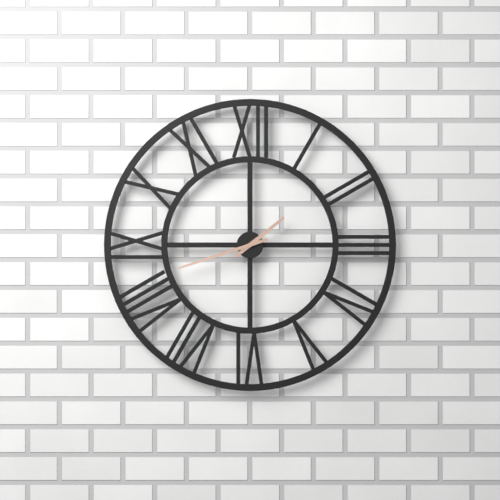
{"hour": 1, "minute": 42}
